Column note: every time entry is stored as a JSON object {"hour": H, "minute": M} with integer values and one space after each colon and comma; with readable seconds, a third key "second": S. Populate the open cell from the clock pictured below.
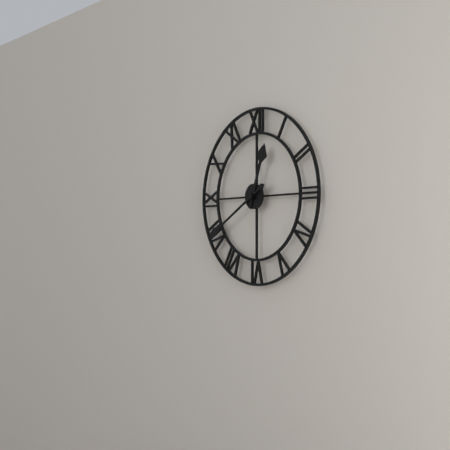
{"hour": 12, "minute": 40}
